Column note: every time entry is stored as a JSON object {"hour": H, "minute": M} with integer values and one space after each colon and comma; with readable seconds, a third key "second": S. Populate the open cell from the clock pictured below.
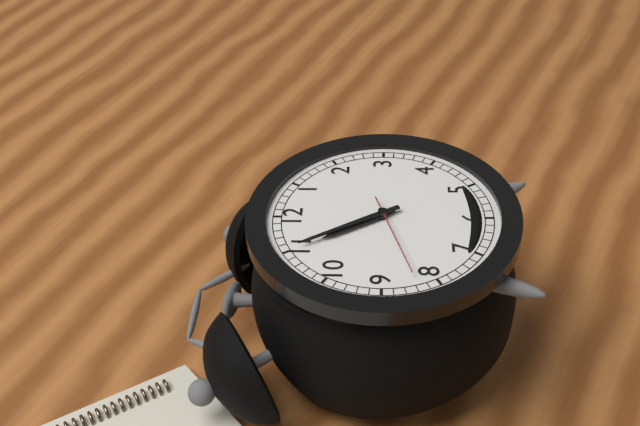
{"hour": 10, "minute": 55, "second": 42}
